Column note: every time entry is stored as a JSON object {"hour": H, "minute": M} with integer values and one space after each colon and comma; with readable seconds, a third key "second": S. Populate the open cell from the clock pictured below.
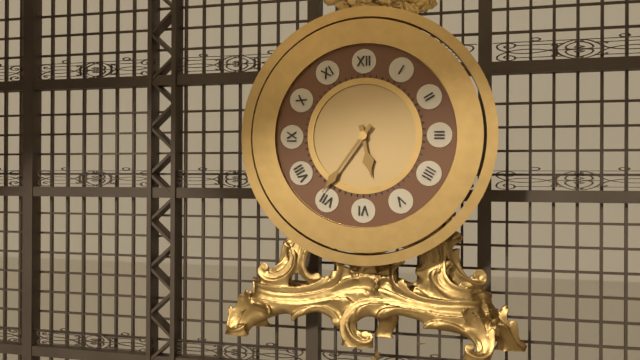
{"hour": 5, "minute": 36}
